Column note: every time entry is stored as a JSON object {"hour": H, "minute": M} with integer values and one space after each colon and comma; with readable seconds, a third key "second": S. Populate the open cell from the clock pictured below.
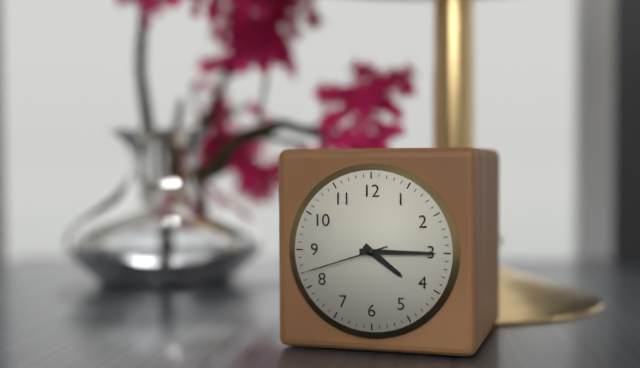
{"hour": 4, "minute": 15, "second": 42}
